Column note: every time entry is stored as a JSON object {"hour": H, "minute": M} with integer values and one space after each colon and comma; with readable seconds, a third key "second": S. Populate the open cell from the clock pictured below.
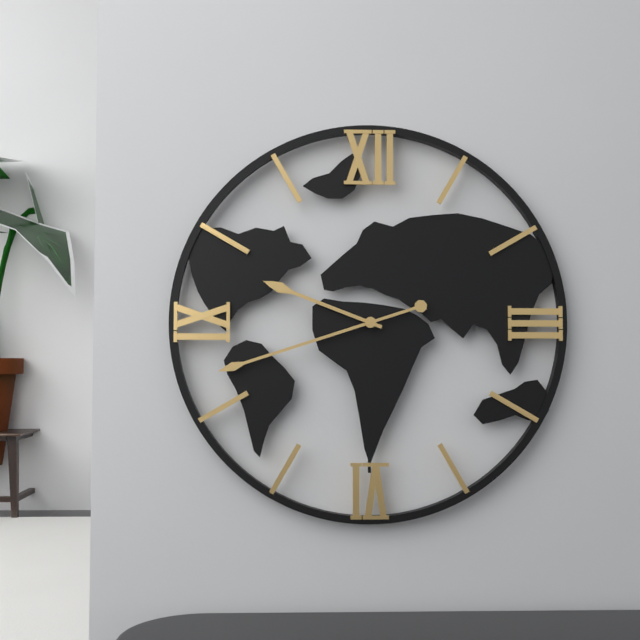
{"hour": 9, "minute": 42}
